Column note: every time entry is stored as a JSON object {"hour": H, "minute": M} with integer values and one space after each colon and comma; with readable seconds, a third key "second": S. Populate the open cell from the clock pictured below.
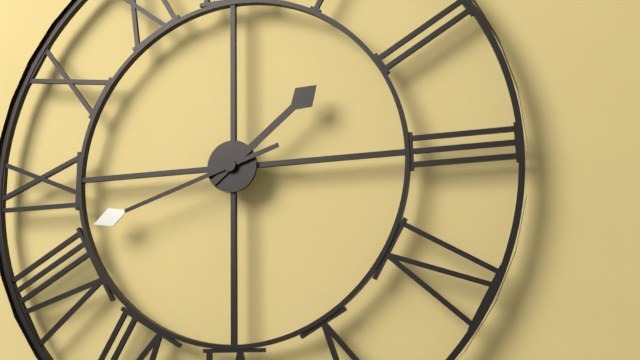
{"hour": 1, "minute": 42}
